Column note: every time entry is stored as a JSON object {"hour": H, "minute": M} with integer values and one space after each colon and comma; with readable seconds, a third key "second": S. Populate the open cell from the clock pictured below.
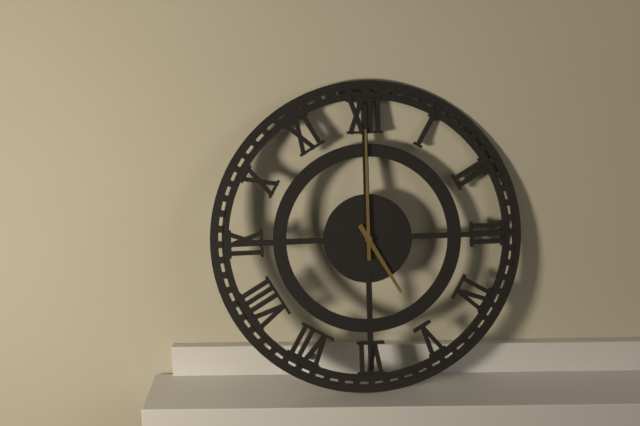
{"hour": 5, "minute": 0}
